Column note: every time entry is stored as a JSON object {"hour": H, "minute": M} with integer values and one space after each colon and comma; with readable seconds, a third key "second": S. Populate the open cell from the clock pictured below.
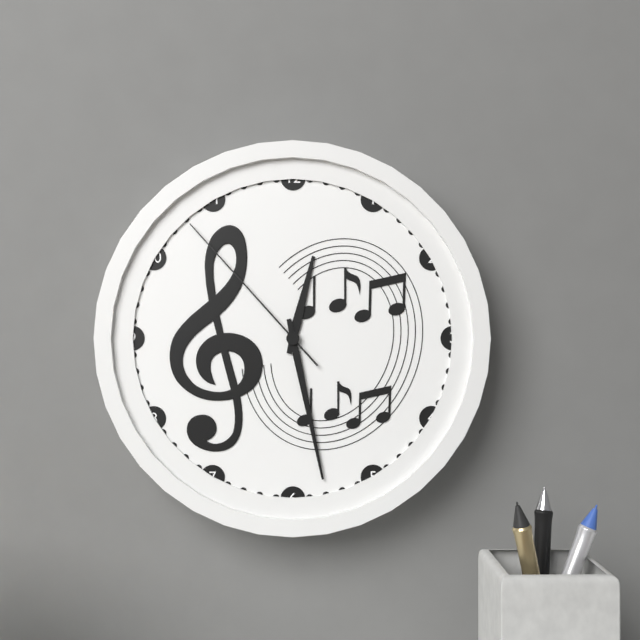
{"hour": 12, "minute": 28, "second": 53}
